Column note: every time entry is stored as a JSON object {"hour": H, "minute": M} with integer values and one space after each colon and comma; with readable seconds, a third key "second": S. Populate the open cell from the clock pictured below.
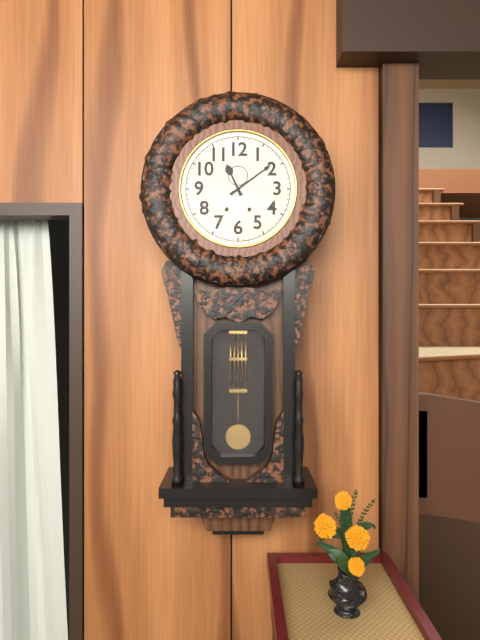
{"hour": 11, "minute": 9}
